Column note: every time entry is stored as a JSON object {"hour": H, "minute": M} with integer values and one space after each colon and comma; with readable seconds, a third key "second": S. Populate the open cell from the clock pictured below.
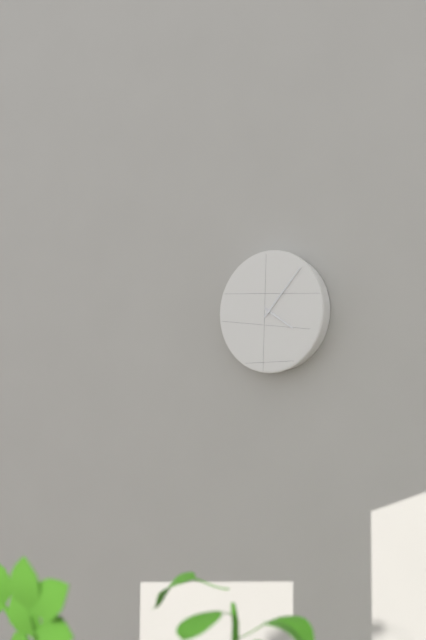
{"hour": 4, "minute": 7}
